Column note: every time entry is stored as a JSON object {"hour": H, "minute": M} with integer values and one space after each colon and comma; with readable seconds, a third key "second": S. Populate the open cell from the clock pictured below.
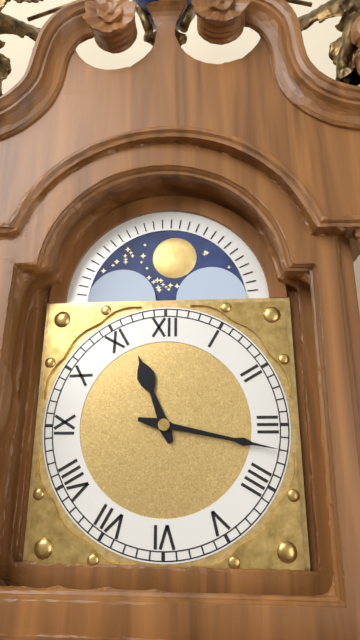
{"hour": 11, "minute": 17}
